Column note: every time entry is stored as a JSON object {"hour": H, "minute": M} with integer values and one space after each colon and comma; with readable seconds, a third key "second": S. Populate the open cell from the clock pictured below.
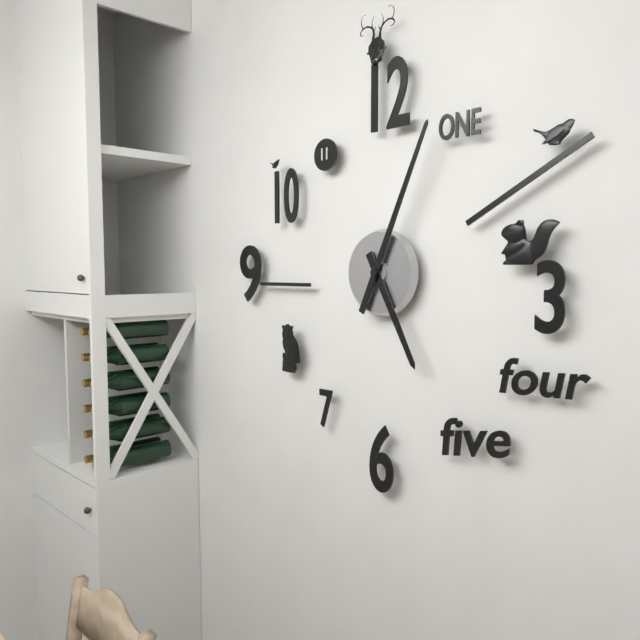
{"hour": 5, "minute": 4}
